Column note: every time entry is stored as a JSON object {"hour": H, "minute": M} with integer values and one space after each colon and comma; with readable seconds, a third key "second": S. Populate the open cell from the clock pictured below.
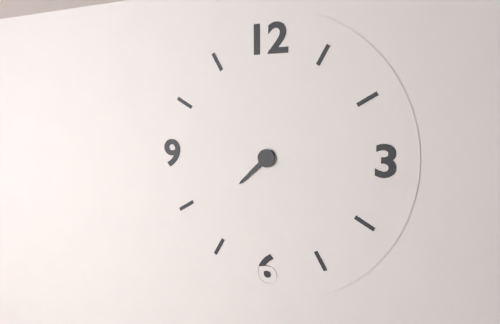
{"hour": 7, "minute": 38}
